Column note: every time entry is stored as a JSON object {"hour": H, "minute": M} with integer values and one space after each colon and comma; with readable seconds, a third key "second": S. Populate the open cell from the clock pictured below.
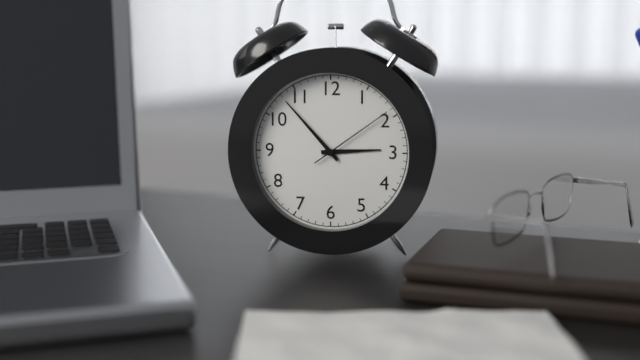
{"hour": 2, "minute": 53, "second": 9}
